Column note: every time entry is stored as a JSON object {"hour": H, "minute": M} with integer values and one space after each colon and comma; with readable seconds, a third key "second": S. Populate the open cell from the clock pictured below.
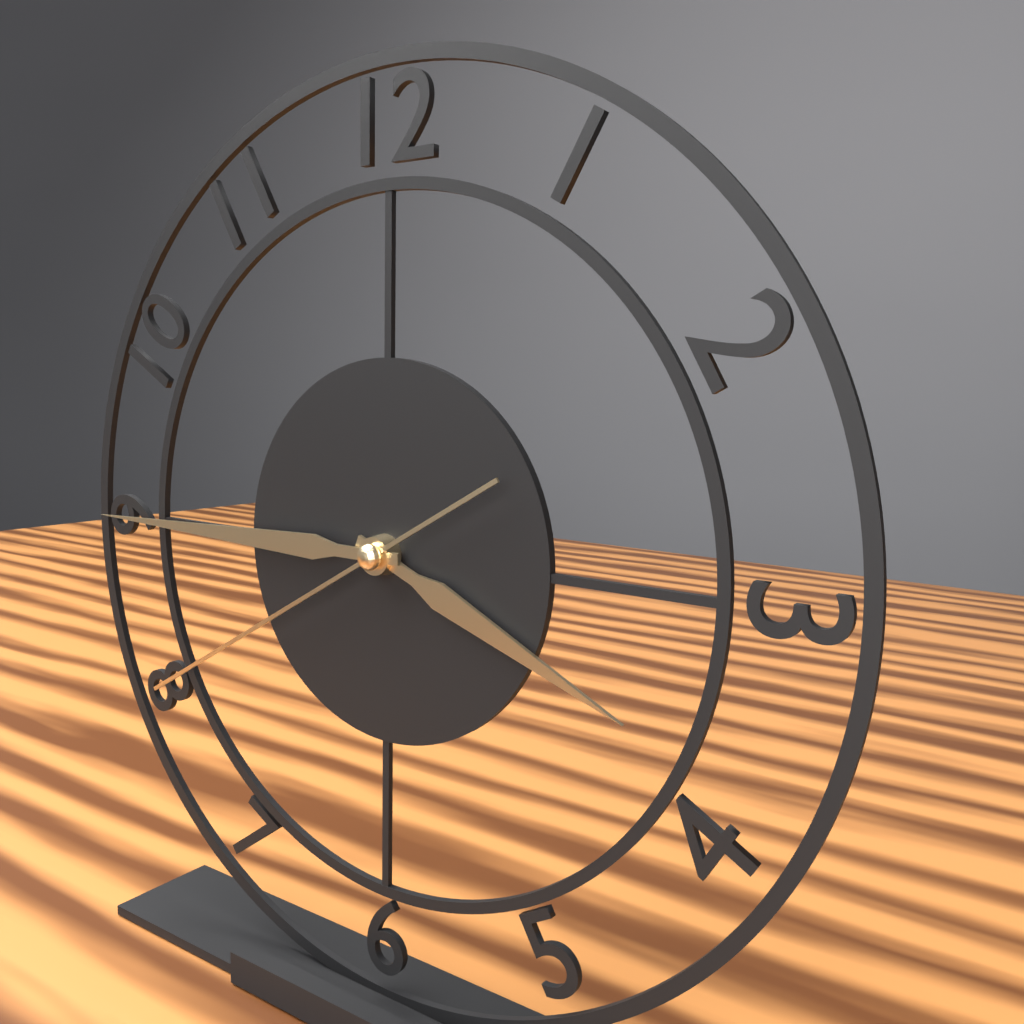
{"hour": 3, "minute": 45, "second": 40}
